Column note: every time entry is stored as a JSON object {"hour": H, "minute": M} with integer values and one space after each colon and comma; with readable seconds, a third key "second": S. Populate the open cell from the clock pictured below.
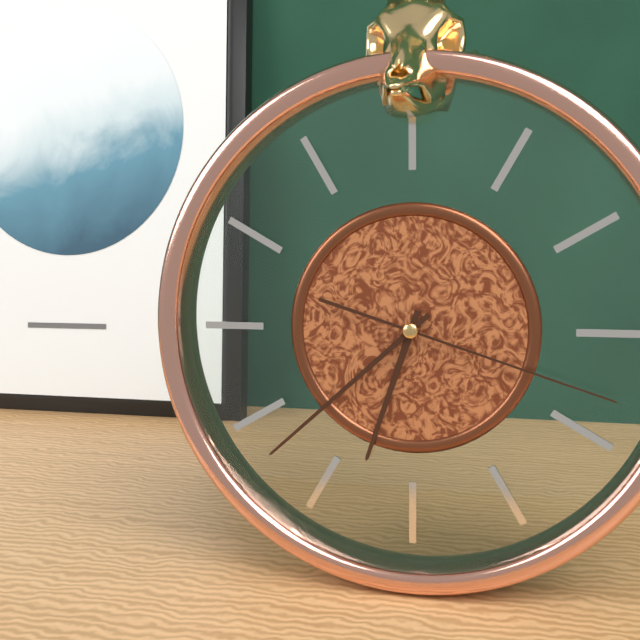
{"hour": 6, "minute": 38, "second": 18}
